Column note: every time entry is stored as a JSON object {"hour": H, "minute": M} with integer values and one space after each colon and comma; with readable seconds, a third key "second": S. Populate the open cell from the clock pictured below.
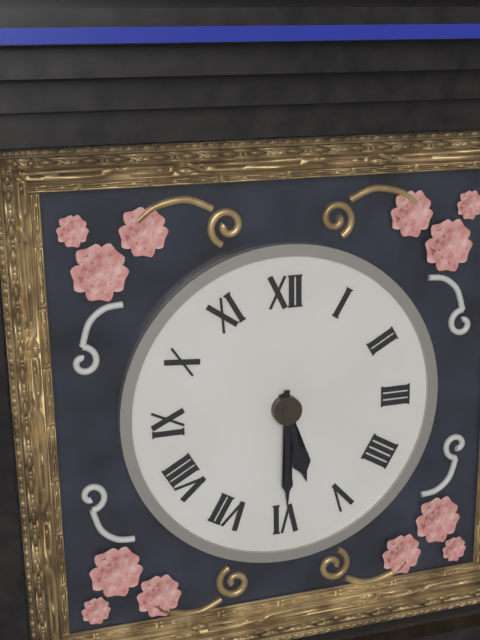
{"hour": 5, "minute": 30}
